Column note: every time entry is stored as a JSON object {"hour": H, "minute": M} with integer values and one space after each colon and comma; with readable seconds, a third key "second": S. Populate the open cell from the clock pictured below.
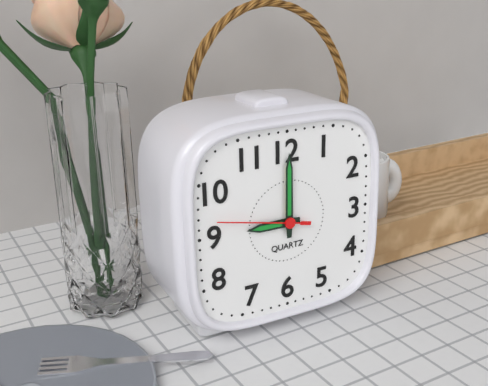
{"hour": 9, "minute": 0, "second": 47}
